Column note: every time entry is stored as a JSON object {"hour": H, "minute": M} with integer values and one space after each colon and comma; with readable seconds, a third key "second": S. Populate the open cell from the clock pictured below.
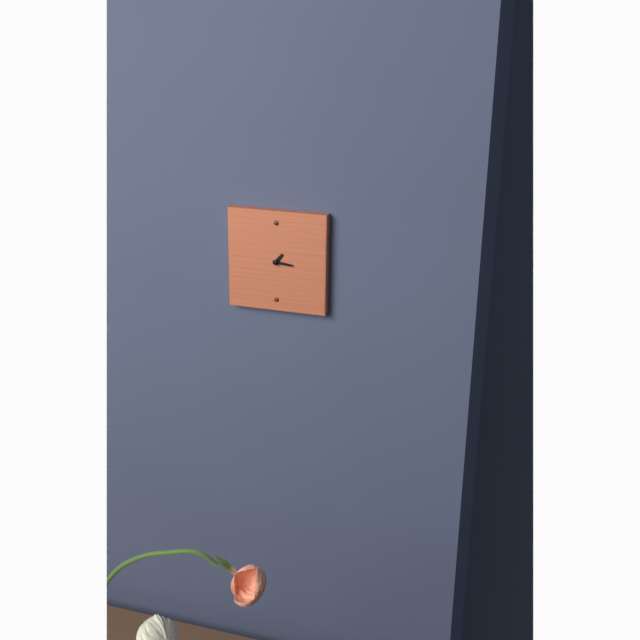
{"hour": 1, "minute": 16}
